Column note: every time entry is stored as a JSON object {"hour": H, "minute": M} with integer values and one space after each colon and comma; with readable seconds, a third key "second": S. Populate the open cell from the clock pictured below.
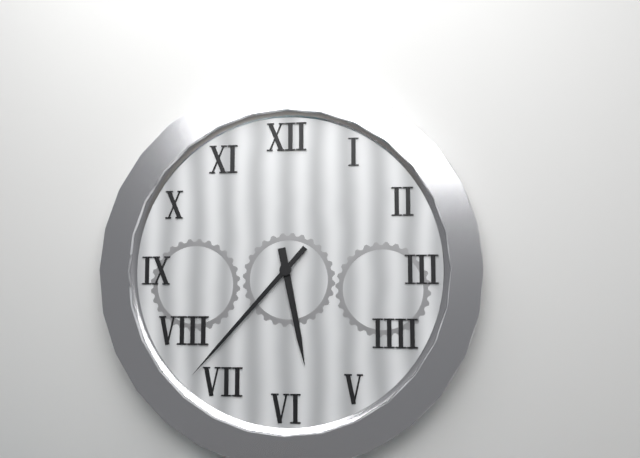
{"hour": 5, "minute": 37}
